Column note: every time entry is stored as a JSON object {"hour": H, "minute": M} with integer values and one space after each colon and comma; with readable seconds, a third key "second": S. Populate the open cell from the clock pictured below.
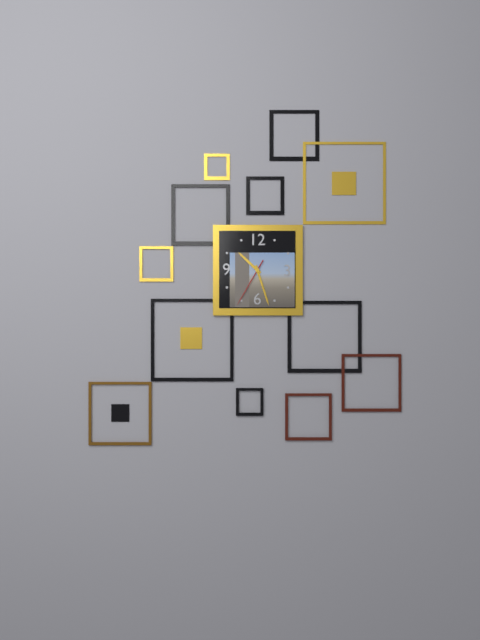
{"hour": 10, "minute": 27, "second": 35}
